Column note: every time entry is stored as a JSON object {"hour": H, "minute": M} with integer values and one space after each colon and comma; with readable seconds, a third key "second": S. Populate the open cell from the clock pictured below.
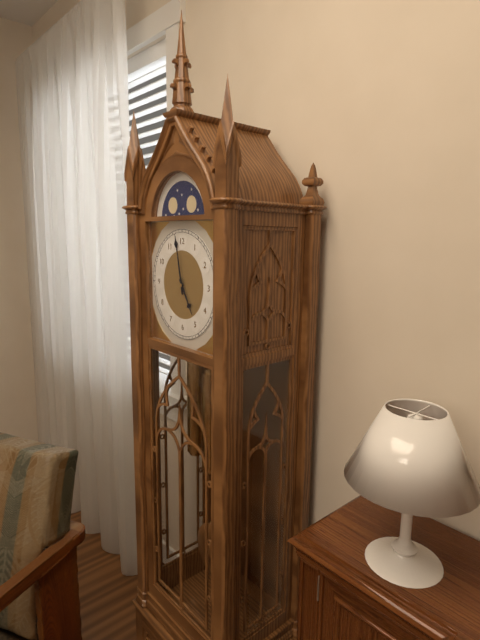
{"hour": 4, "minute": 58}
